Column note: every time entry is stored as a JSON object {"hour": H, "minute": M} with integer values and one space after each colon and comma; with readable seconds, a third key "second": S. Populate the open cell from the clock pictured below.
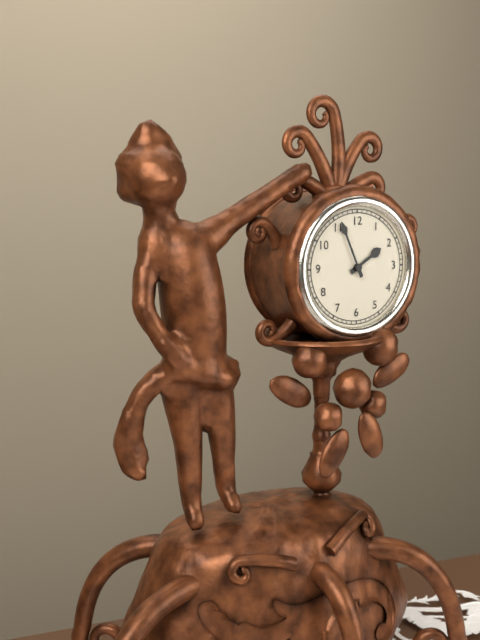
{"hour": 1, "minute": 56}
